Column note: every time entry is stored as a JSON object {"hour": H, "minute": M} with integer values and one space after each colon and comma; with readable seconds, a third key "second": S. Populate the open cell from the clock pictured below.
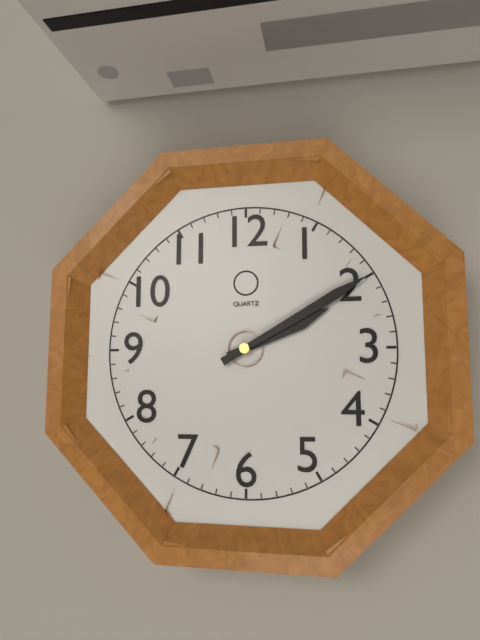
{"hour": 2, "minute": 10}
